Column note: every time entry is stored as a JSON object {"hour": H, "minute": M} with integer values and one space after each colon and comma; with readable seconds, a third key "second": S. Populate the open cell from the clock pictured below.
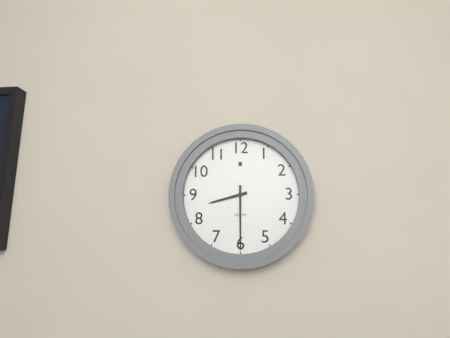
{"hour": 8, "minute": 30}
